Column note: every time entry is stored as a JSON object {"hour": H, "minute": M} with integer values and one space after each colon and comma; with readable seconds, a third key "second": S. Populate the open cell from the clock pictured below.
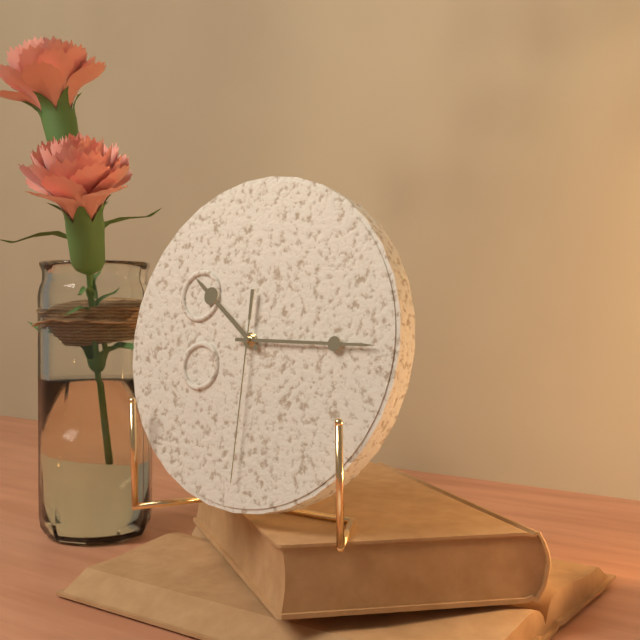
{"hour": 10, "minute": 15, "second": 30}
